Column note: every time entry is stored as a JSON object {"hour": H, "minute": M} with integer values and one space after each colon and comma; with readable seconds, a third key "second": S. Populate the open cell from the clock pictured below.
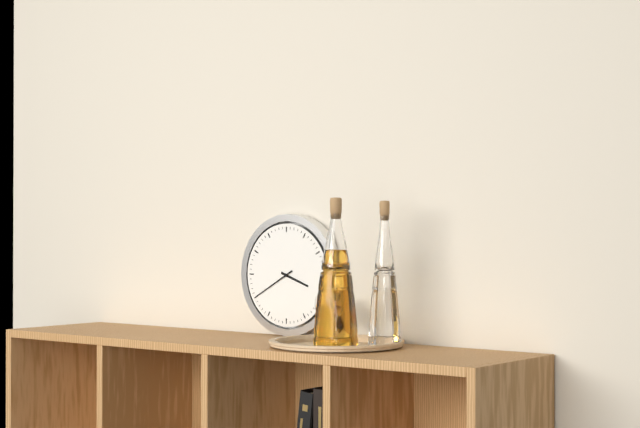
{"hour": 3, "minute": 40}
